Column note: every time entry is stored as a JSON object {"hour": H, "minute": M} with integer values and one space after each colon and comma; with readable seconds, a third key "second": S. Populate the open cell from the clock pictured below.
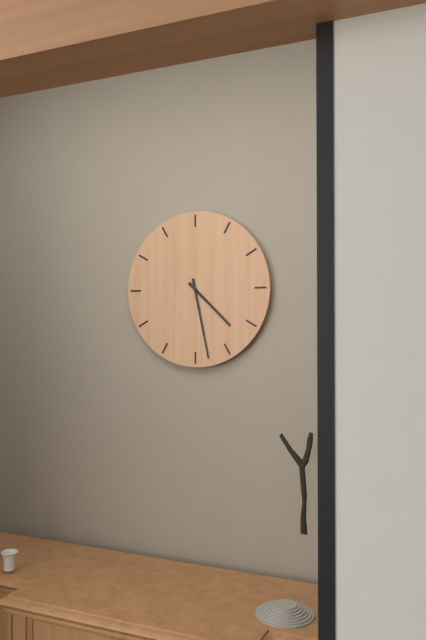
{"hour": 4, "minute": 28}
